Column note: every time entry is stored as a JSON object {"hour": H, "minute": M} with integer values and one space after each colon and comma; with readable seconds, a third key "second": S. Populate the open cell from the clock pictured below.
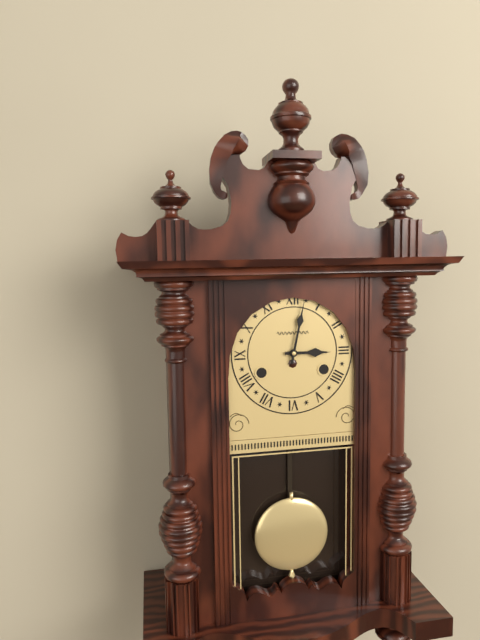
{"hour": 3, "minute": 2}
